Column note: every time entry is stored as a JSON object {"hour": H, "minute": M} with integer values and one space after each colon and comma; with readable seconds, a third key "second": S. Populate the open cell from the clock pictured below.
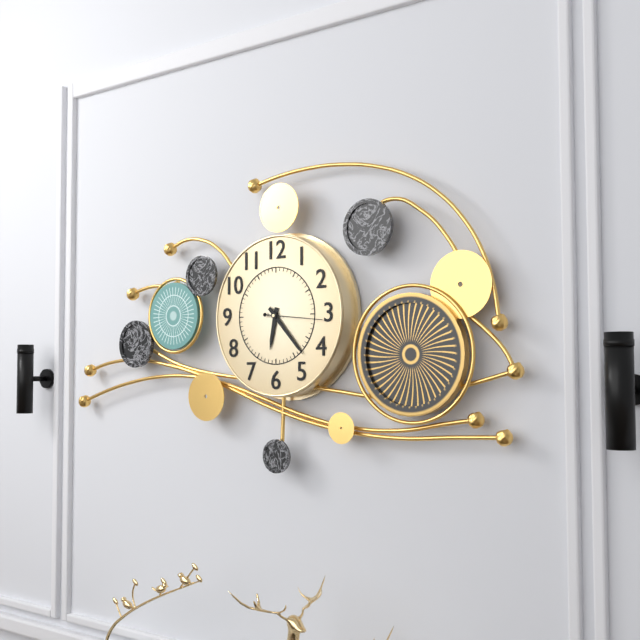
{"hour": 6, "minute": 23, "second": 16}
